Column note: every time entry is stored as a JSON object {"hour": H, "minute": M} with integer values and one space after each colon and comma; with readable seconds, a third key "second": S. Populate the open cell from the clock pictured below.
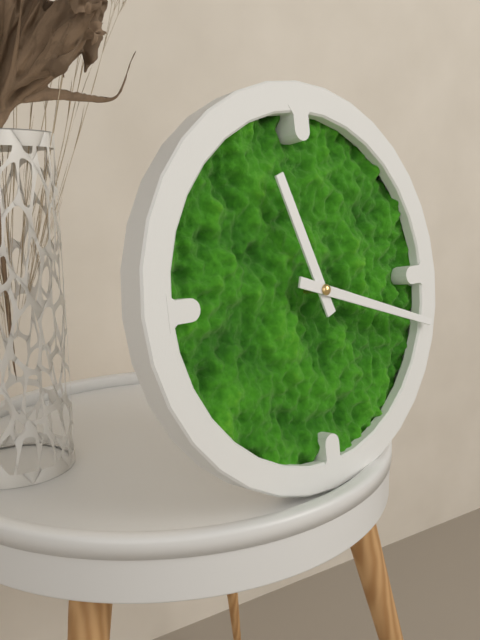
{"hour": 11, "minute": 18}
